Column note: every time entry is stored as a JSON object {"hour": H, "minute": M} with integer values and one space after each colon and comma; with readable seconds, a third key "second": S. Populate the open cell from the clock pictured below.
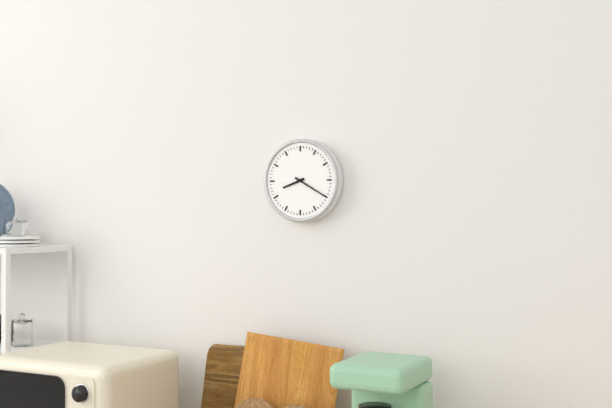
{"hour": 8, "minute": 20}
